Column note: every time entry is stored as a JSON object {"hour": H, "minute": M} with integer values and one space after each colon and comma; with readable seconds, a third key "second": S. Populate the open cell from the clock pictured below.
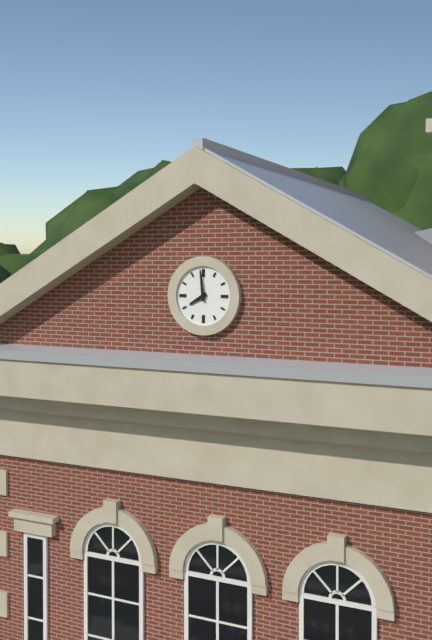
{"hour": 7, "minute": 59}
